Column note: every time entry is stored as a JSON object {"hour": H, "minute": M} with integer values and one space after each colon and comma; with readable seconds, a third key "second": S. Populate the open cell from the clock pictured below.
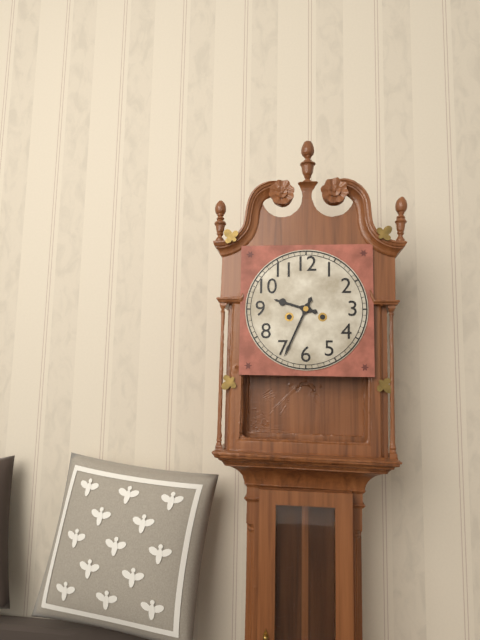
{"hour": 9, "minute": 34}
